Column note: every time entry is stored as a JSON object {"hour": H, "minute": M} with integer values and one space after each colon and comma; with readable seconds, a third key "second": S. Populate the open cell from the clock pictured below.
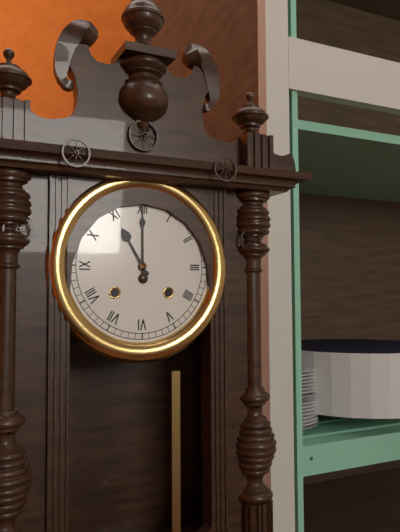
{"hour": 11, "minute": 0}
